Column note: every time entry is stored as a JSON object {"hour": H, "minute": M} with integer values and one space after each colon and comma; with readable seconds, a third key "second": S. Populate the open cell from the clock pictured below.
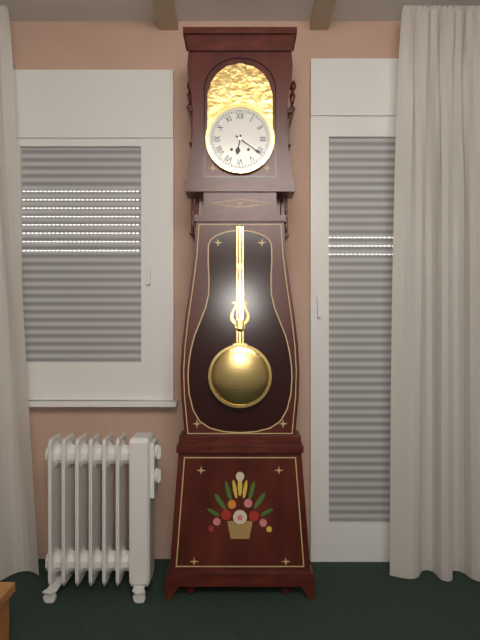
{"hour": 6, "minute": 21}
